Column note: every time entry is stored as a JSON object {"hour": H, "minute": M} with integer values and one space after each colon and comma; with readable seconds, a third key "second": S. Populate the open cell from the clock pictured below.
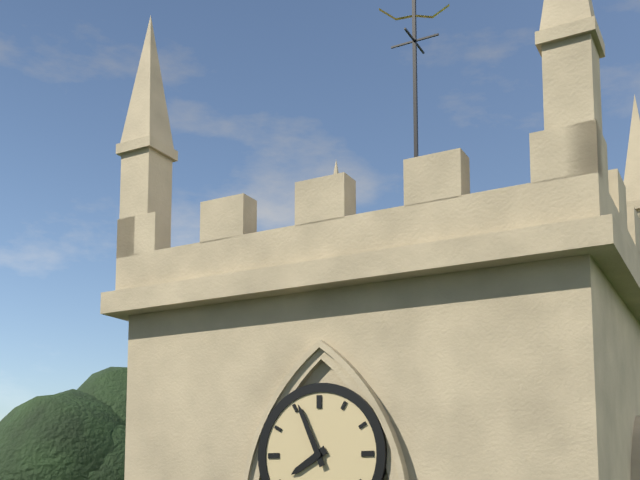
{"hour": 7, "minute": 56}
